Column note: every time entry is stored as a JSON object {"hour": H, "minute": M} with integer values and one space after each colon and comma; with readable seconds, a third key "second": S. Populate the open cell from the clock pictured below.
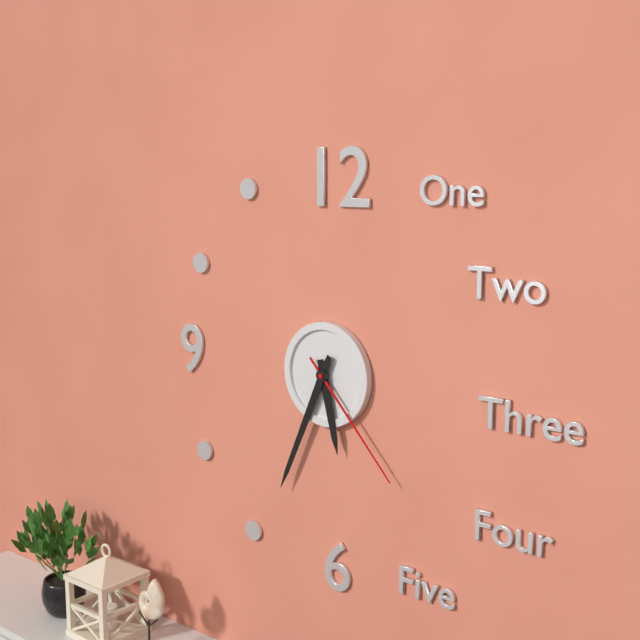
{"hour": 5, "minute": 34, "second": 23}
